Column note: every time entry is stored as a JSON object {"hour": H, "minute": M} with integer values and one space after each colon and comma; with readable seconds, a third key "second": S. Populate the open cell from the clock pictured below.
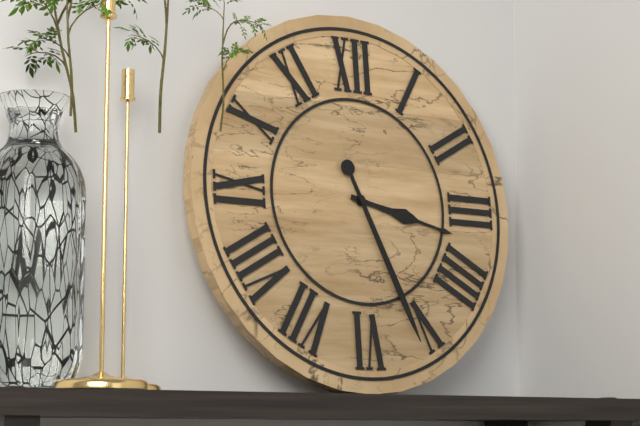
{"hour": 3, "minute": 26}
